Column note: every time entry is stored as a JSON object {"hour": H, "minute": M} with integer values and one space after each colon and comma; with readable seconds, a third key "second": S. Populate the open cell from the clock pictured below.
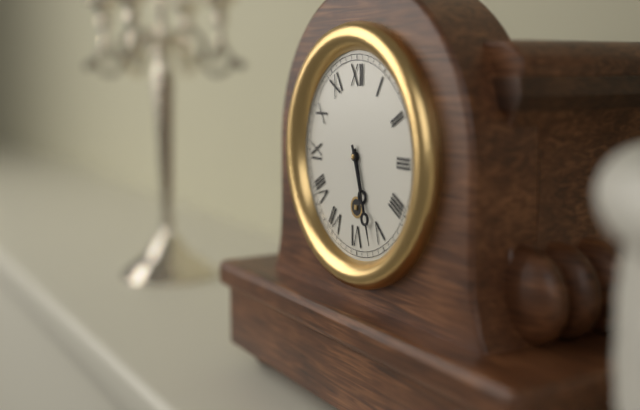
{"hour": 5, "minute": 27}
